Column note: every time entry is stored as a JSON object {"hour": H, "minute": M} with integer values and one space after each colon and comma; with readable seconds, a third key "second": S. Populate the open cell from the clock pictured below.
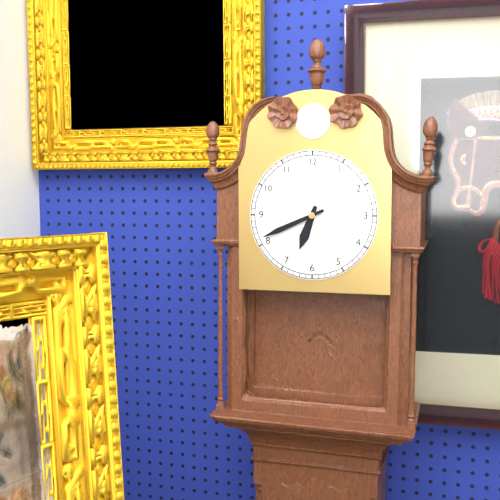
{"hour": 6, "minute": 41}
